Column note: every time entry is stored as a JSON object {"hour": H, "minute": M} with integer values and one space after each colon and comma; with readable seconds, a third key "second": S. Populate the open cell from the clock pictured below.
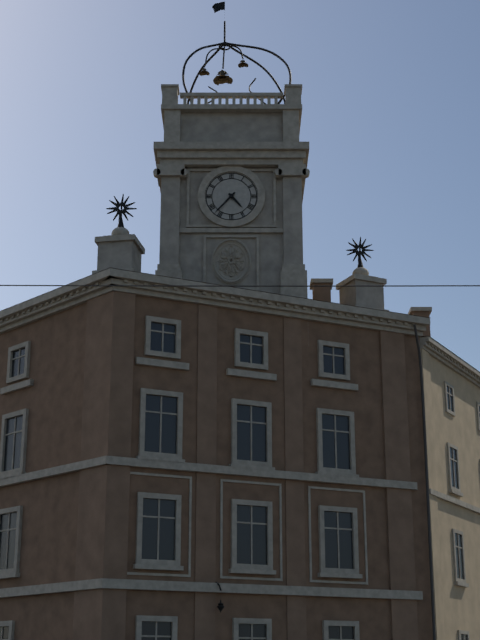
{"hour": 4, "minute": 37}
